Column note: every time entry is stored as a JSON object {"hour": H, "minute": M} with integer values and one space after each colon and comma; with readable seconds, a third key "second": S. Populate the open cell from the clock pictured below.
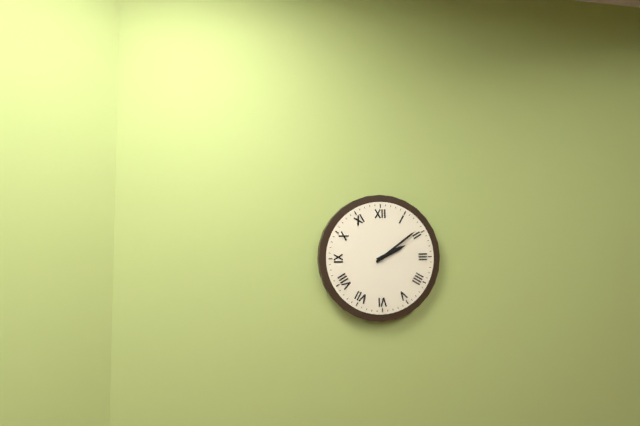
{"hour": 2, "minute": 9}
